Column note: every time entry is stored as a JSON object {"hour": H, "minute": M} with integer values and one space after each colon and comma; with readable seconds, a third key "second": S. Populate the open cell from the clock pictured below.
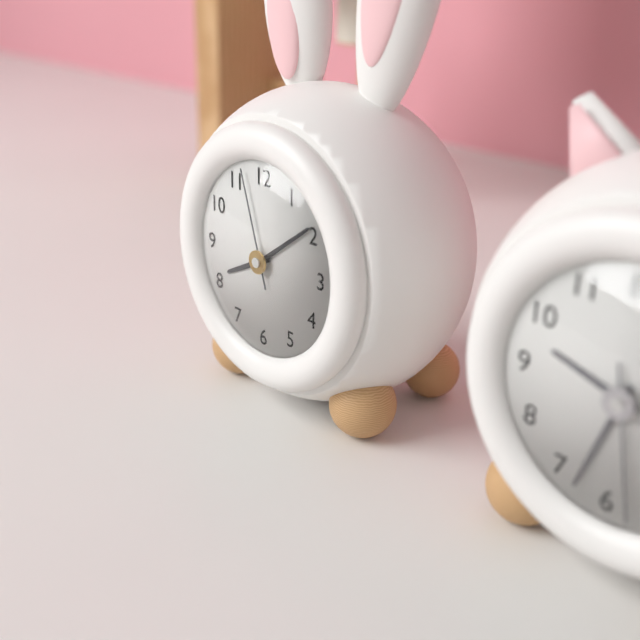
{"hour": 8, "minute": 9, "second": 57}
